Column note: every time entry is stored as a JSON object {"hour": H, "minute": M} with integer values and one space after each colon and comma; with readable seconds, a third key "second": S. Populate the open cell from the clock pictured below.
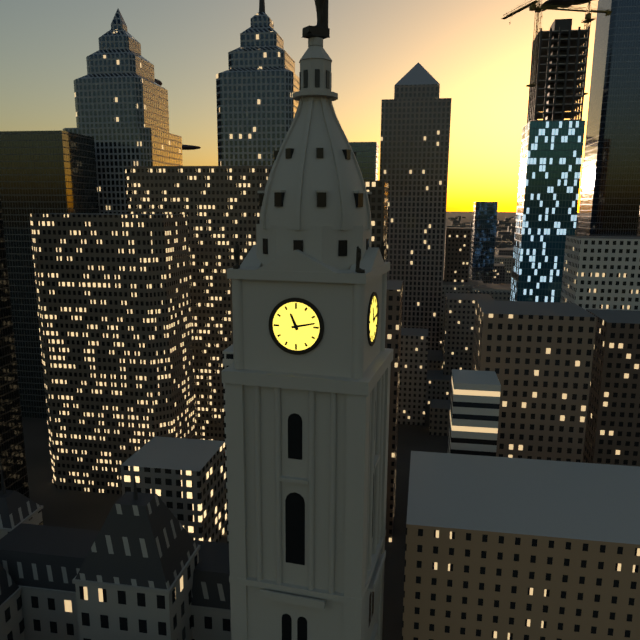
{"hour": 11, "minute": 13}
